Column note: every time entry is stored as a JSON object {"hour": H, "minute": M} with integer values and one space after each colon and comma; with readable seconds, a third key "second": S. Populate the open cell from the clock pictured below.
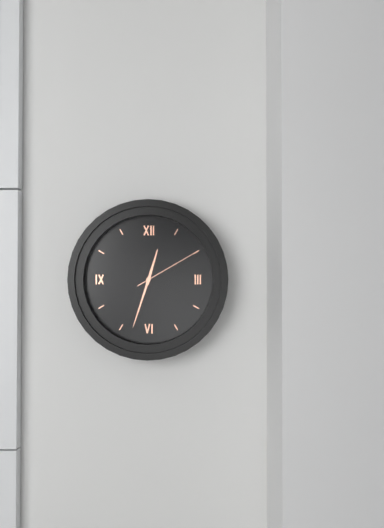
{"hour": 12, "minute": 33, "second": 10}
